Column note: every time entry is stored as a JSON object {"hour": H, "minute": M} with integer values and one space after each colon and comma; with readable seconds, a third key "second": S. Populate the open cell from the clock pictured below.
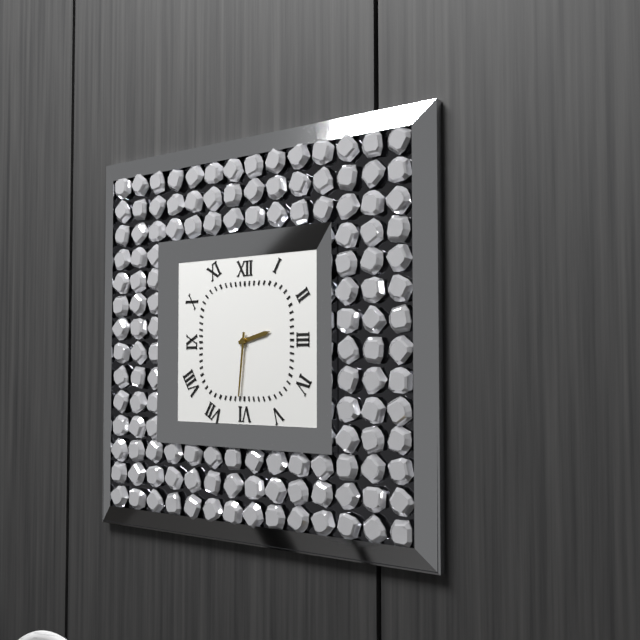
{"hour": 2, "minute": 31}
